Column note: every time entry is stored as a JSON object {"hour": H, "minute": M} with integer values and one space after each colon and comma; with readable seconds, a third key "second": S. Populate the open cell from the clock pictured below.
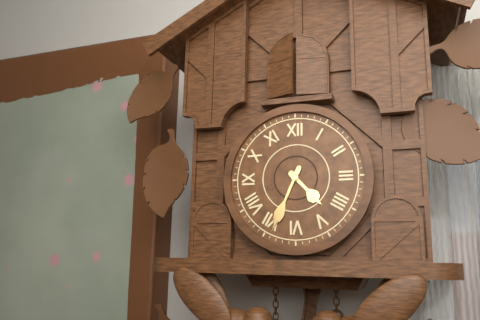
{"hour": 4, "minute": 34}
